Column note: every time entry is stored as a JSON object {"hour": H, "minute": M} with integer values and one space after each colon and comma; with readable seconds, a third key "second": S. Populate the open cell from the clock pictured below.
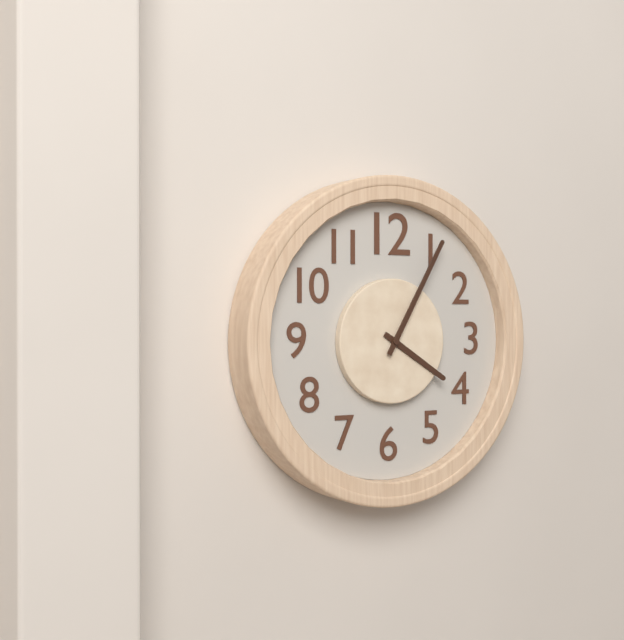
{"hour": 4, "minute": 5}
